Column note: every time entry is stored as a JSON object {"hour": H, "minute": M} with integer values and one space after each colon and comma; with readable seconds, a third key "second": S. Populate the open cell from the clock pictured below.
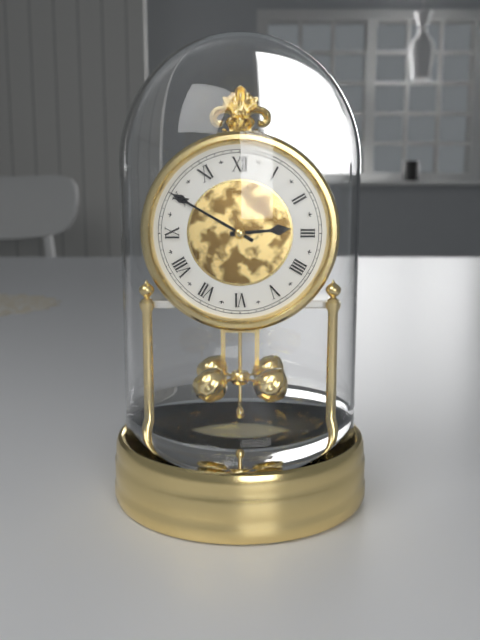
{"hour": 2, "minute": 50}
